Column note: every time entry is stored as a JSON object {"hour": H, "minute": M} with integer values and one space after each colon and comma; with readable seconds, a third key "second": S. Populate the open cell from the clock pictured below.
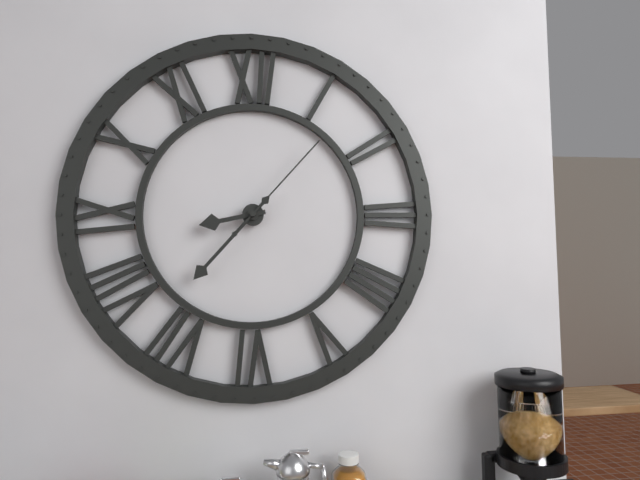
{"hour": 8, "minute": 37, "second": 7}
